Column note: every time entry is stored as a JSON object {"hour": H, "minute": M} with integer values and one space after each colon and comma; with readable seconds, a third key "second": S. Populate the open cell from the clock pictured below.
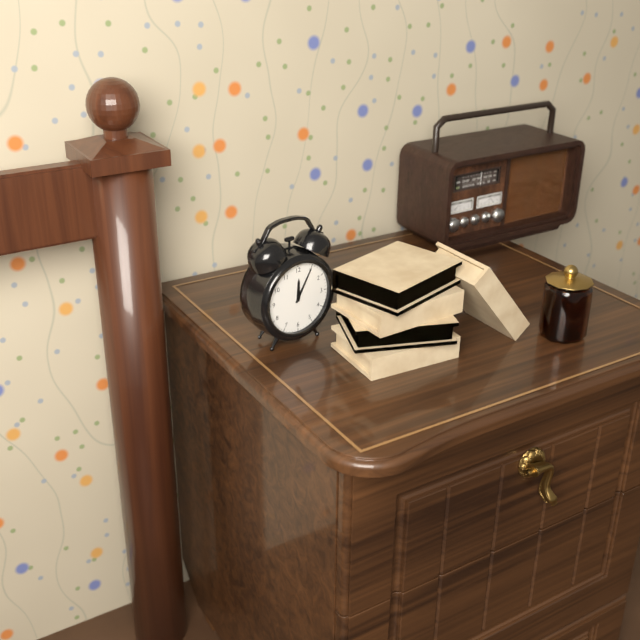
{"hour": 12, "minute": 5}
